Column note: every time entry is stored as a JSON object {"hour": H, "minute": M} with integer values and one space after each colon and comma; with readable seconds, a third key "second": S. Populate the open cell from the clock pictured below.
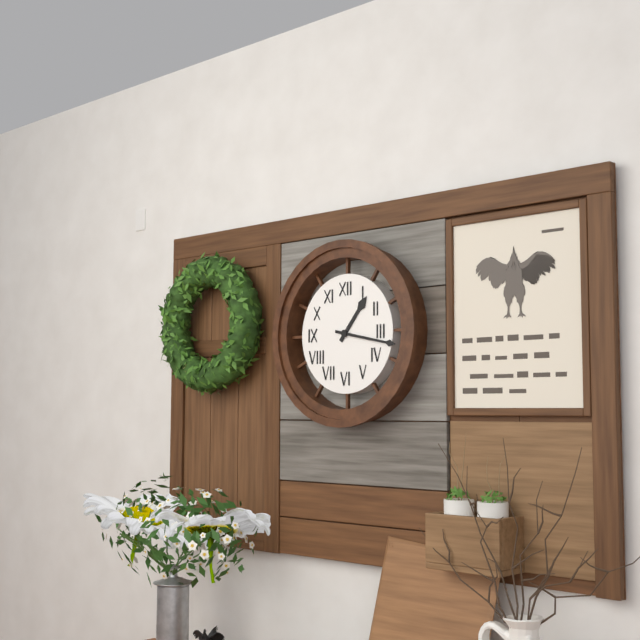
{"hour": 1, "minute": 17}
